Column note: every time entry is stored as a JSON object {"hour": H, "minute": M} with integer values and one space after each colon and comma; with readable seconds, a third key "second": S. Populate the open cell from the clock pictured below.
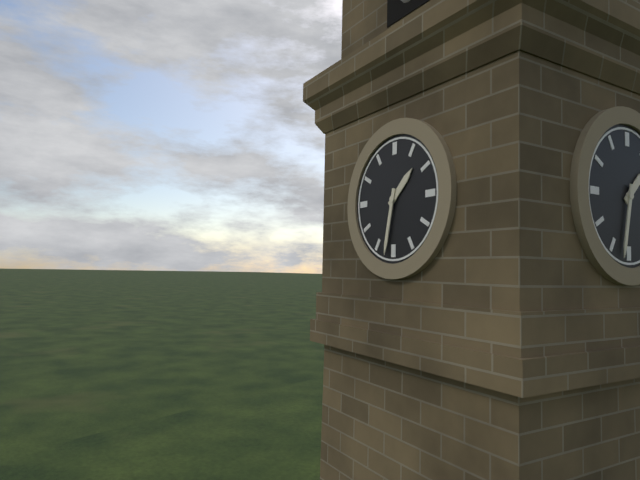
{"hour": 1, "minute": 32}
